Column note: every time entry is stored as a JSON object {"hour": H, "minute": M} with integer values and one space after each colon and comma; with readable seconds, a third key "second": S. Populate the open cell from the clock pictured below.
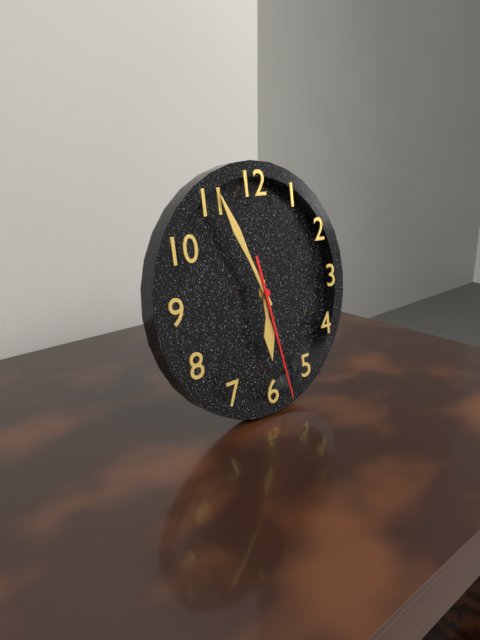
{"hour": 5, "minute": 56, "second": 28}
